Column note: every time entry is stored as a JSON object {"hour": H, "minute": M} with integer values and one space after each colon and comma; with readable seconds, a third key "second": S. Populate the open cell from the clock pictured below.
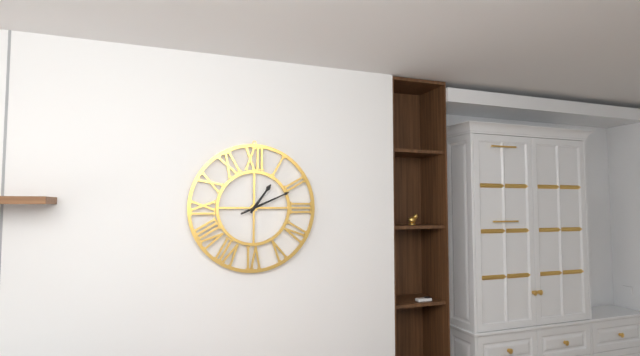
{"hour": 1, "minute": 11}
